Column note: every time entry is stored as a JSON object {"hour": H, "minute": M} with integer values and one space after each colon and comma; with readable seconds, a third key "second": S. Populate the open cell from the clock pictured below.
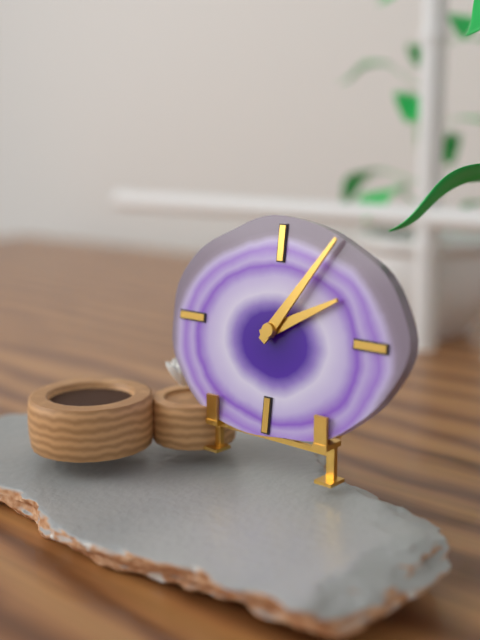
{"hour": 2, "minute": 6}
